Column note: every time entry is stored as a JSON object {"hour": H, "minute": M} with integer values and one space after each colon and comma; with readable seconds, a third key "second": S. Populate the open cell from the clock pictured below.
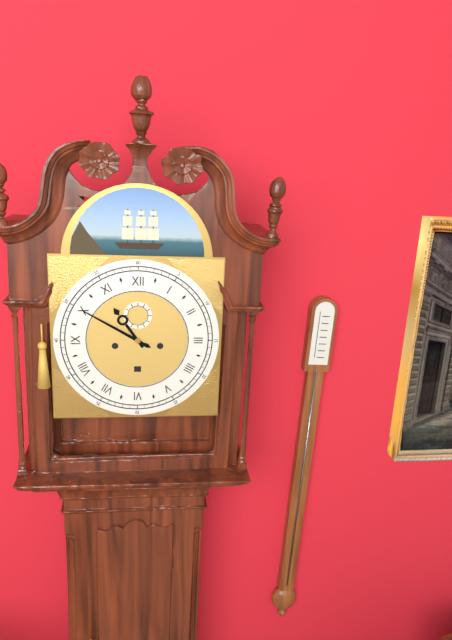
{"hour": 10, "minute": 50}
